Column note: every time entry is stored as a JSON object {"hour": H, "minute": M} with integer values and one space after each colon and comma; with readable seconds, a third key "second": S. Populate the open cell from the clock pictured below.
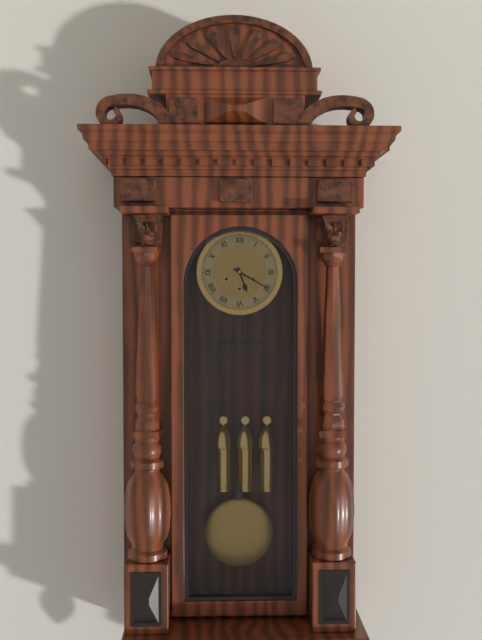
{"hour": 5, "minute": 20}
